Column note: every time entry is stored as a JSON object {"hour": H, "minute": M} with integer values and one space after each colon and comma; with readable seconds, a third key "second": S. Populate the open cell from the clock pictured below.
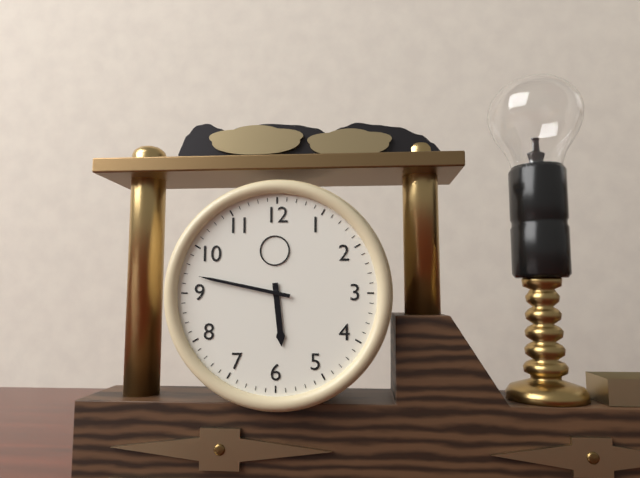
{"hour": 5, "minute": 47}
